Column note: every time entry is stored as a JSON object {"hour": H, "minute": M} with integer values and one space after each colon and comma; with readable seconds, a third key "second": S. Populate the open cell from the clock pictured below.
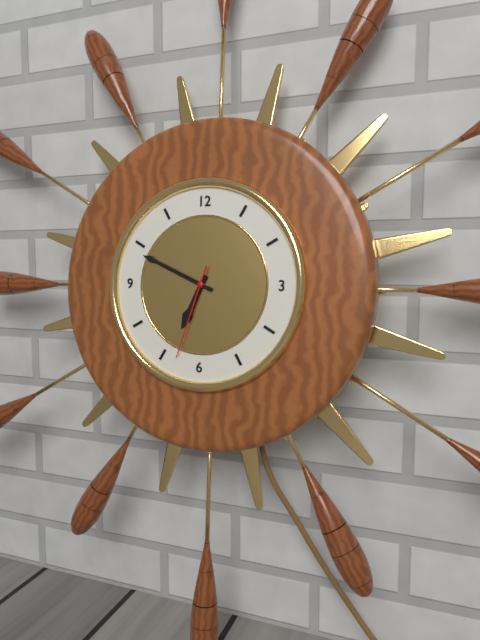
{"hour": 6, "minute": 49, "second": 33}
